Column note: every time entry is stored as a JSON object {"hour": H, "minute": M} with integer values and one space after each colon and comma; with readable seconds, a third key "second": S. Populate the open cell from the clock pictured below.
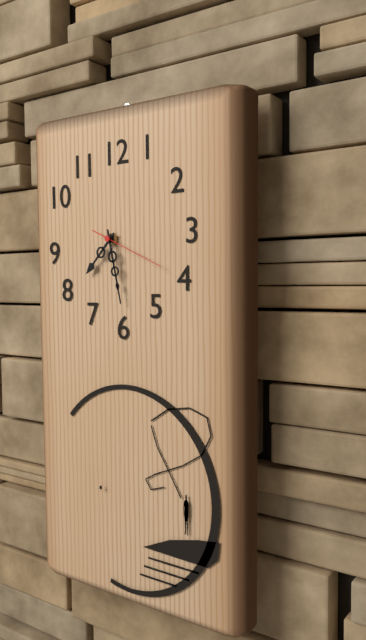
{"hour": 7, "minute": 28, "second": 19}
